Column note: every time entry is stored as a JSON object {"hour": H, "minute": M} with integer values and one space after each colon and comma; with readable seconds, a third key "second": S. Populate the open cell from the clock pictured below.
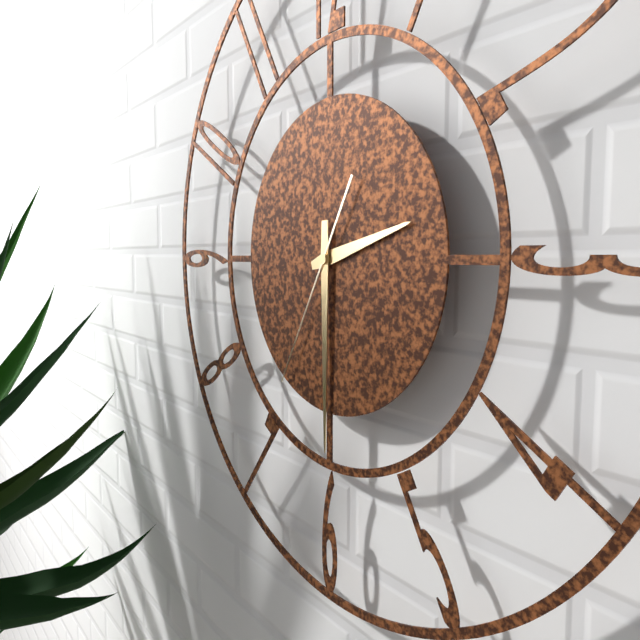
{"hour": 2, "minute": 30, "second": 35}
